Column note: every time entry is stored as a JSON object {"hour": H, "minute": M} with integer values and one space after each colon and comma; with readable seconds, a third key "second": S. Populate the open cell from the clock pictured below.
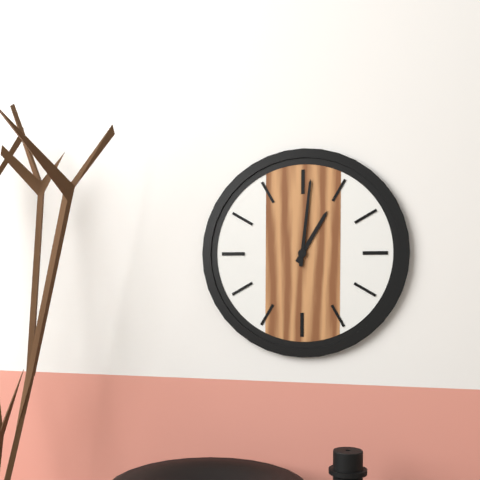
{"hour": 1, "minute": 1}
